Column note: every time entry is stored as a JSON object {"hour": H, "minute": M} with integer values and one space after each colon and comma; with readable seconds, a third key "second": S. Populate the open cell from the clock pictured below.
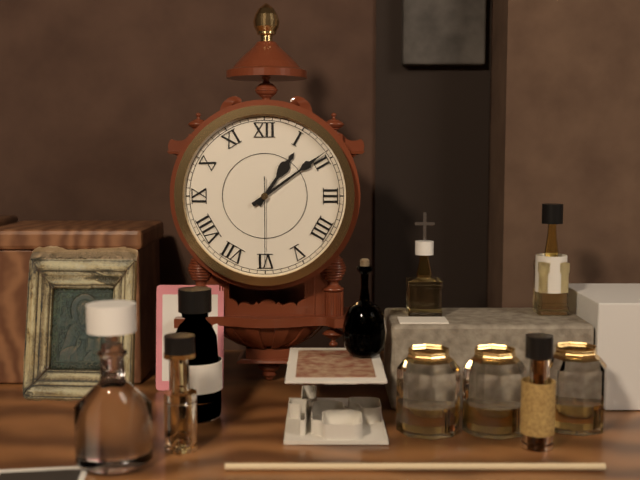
{"hour": 1, "minute": 9, "second": 30}
